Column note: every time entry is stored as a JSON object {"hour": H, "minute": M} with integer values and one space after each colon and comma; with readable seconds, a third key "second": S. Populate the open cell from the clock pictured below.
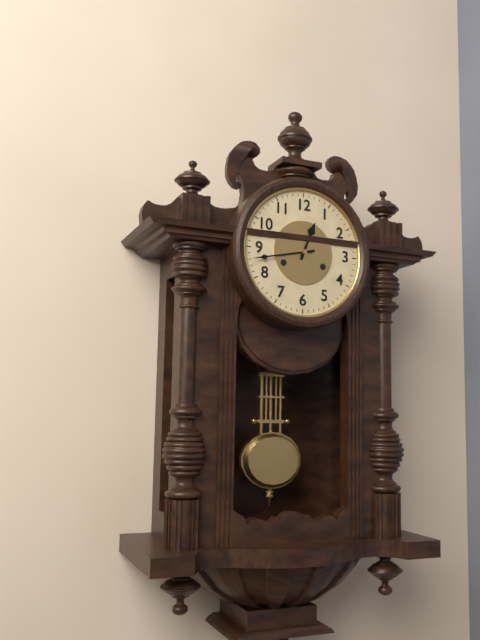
{"hour": 12, "minute": 43}
